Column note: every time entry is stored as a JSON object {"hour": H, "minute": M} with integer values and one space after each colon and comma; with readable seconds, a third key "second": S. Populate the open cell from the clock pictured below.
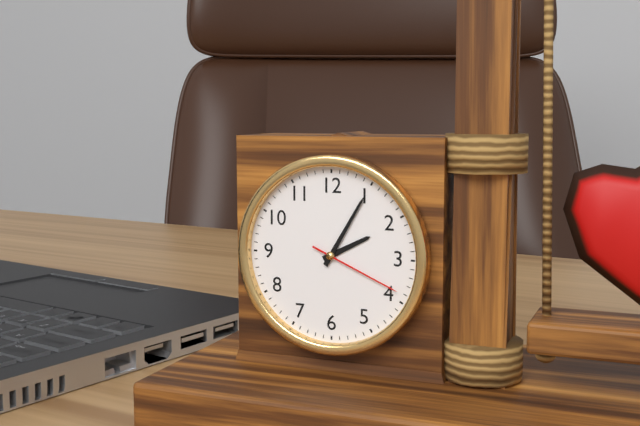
{"hour": 2, "minute": 5, "second": 19}
